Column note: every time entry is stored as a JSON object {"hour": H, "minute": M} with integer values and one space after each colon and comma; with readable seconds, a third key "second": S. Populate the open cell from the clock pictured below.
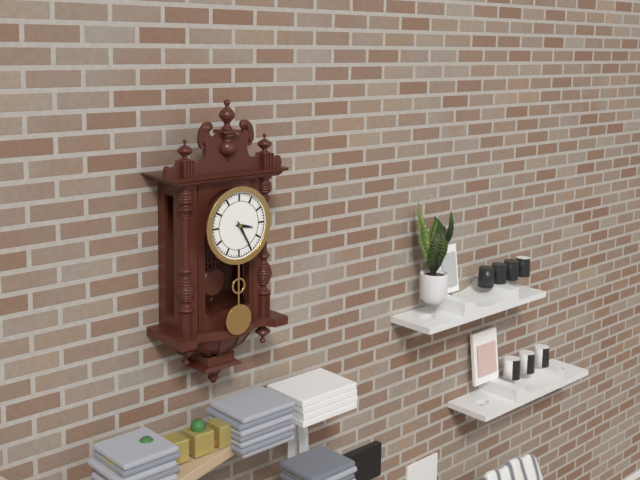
{"hour": 3, "minute": 25}
